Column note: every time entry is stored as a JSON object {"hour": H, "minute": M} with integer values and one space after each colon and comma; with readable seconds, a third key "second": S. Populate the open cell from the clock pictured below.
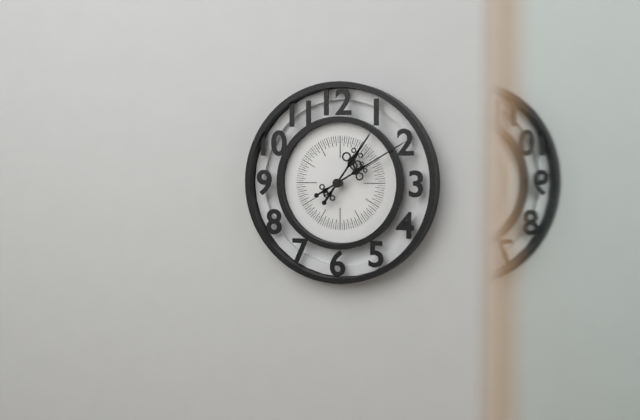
{"hour": 1, "minute": 10}
